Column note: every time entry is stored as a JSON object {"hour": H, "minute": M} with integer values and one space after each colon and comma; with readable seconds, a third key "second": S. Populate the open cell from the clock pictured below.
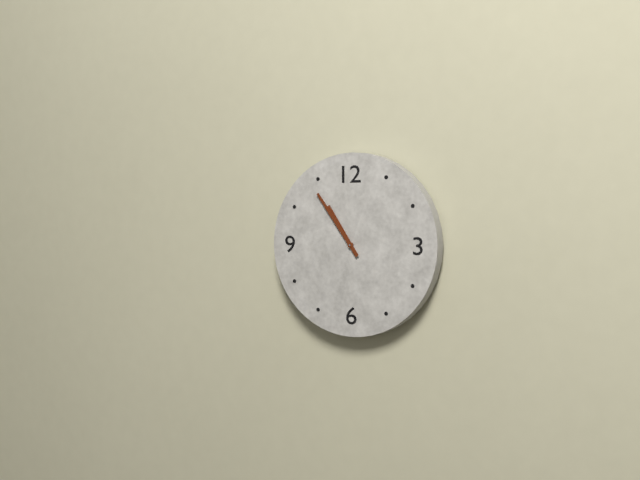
{"hour": 10, "minute": 54}
